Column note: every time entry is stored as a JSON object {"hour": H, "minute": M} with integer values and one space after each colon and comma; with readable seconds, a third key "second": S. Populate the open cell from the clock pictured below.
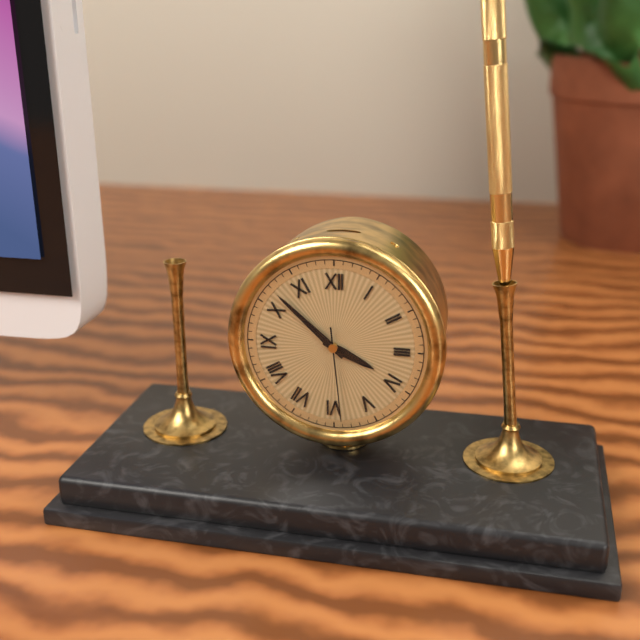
{"hour": 3, "minute": 52, "second": 29}
